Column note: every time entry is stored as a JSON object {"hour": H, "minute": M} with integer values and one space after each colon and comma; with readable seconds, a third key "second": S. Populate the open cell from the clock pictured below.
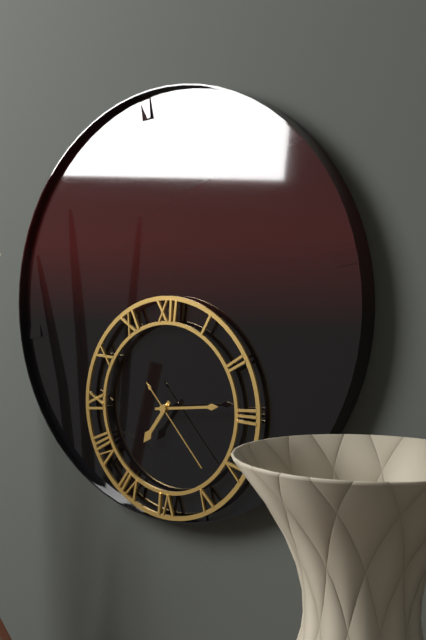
{"hour": 7, "minute": 14, "second": 23}
